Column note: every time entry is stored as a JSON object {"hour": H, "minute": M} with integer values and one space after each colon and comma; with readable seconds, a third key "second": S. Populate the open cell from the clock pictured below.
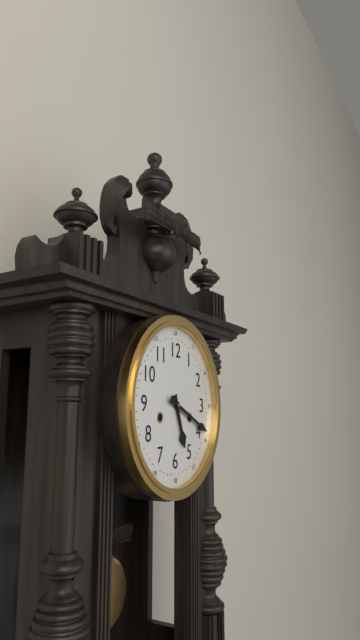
{"hour": 5, "minute": 19}
